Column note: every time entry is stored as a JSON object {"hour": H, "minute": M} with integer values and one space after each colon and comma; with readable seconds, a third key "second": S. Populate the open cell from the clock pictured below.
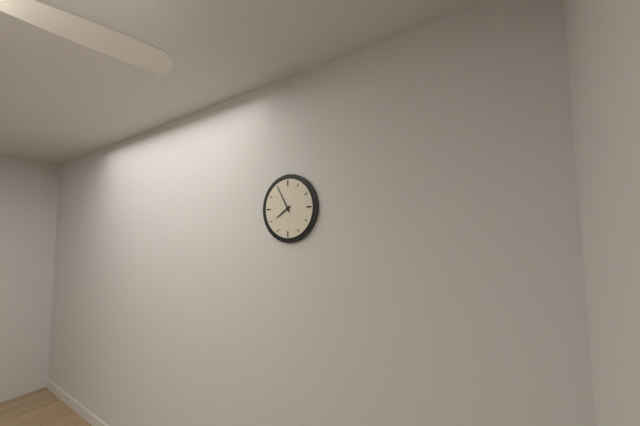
{"hour": 7, "minute": 55}
